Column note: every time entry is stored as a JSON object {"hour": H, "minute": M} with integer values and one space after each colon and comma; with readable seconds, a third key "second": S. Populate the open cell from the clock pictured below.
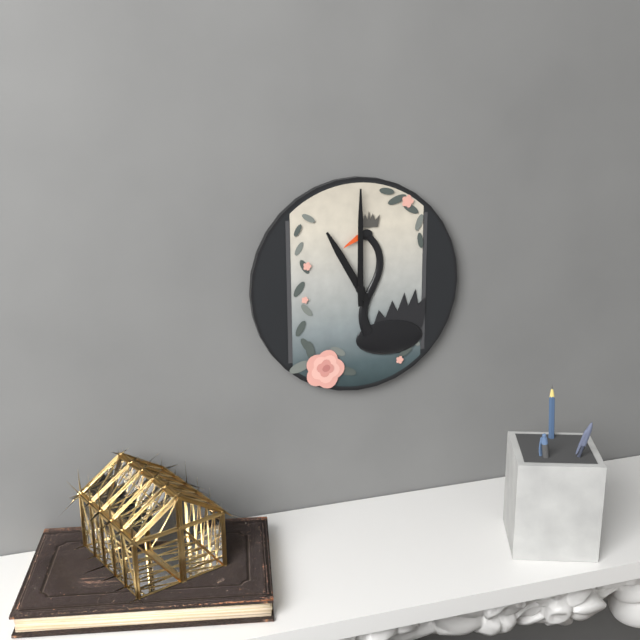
{"hour": 11, "minute": 0}
